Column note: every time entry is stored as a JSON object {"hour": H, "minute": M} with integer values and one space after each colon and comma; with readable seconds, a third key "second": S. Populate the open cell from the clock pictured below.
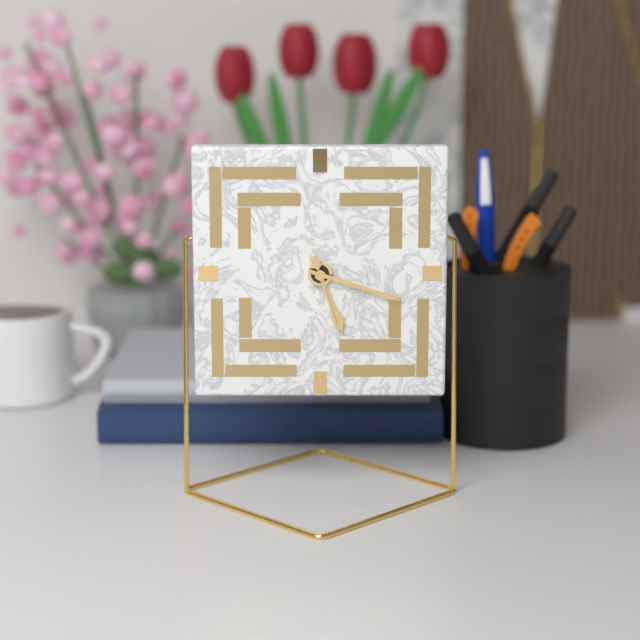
{"hour": 5, "minute": 18, "second": 27}
